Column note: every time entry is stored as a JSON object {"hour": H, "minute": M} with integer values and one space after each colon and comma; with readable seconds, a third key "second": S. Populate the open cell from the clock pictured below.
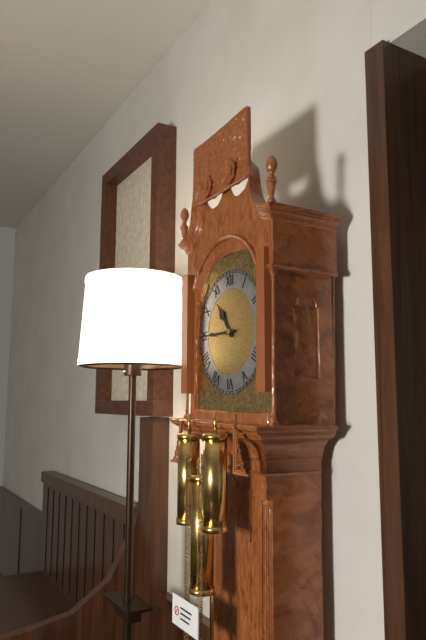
{"hour": 10, "minute": 45}
